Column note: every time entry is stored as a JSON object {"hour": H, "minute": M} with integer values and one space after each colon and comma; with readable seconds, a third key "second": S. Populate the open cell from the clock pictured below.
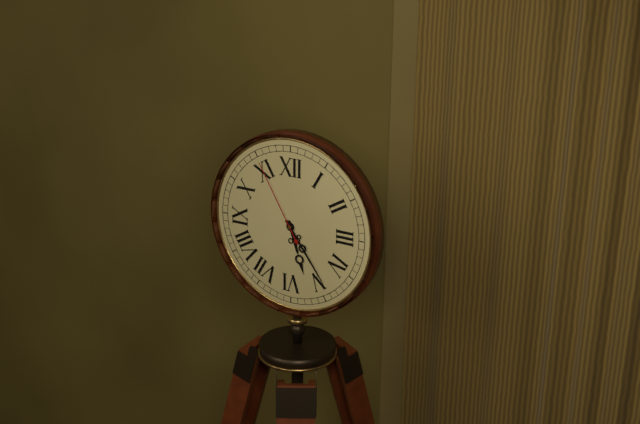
{"hour": 5, "minute": 24, "second": 55}
